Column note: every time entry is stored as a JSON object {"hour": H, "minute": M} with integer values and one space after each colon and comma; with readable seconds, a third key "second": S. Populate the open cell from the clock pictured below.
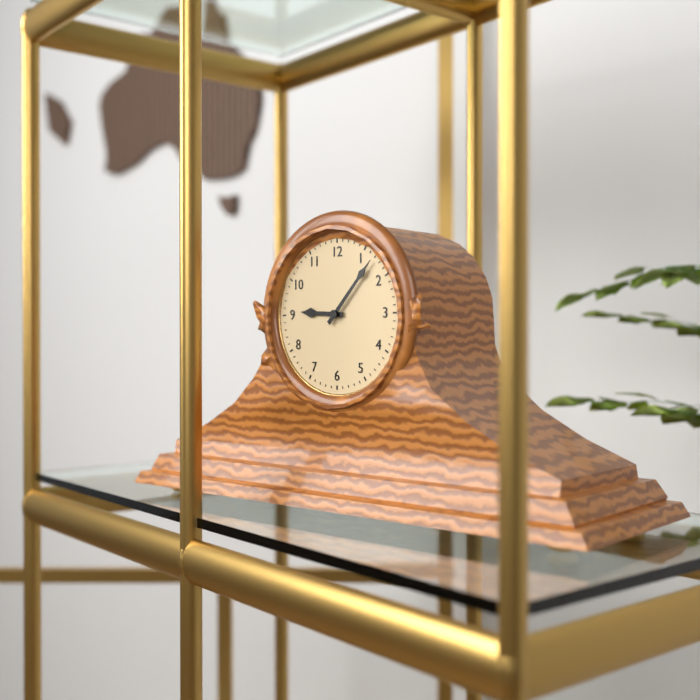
{"hour": 9, "minute": 7}
